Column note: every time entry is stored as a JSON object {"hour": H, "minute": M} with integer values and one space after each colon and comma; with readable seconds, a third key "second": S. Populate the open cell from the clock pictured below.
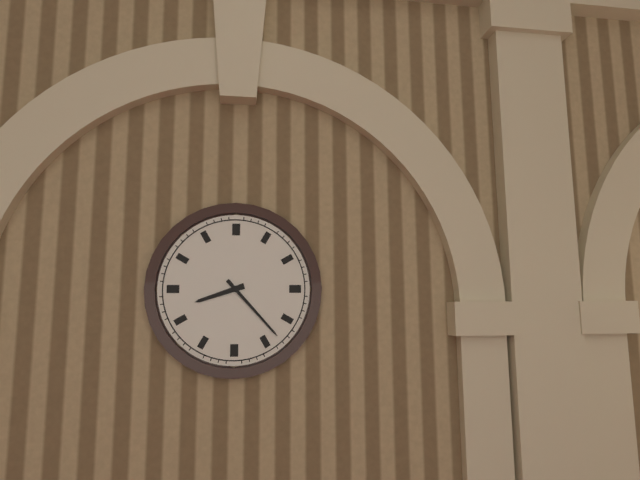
{"hour": 8, "minute": 23}
